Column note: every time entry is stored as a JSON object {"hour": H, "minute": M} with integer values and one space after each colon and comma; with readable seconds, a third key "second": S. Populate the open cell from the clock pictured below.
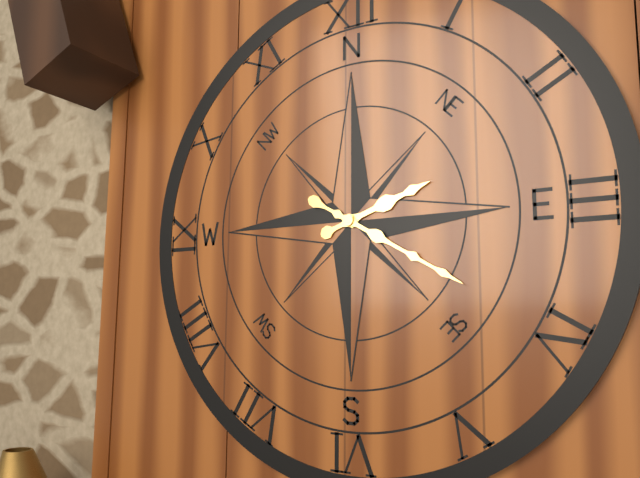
{"hour": 2, "minute": 20}
